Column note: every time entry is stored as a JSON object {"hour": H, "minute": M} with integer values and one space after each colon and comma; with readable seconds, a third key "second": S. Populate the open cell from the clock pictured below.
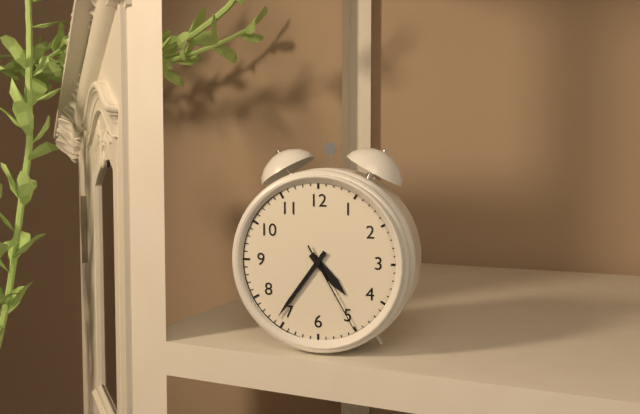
{"hour": 4, "minute": 36, "second": 25}
